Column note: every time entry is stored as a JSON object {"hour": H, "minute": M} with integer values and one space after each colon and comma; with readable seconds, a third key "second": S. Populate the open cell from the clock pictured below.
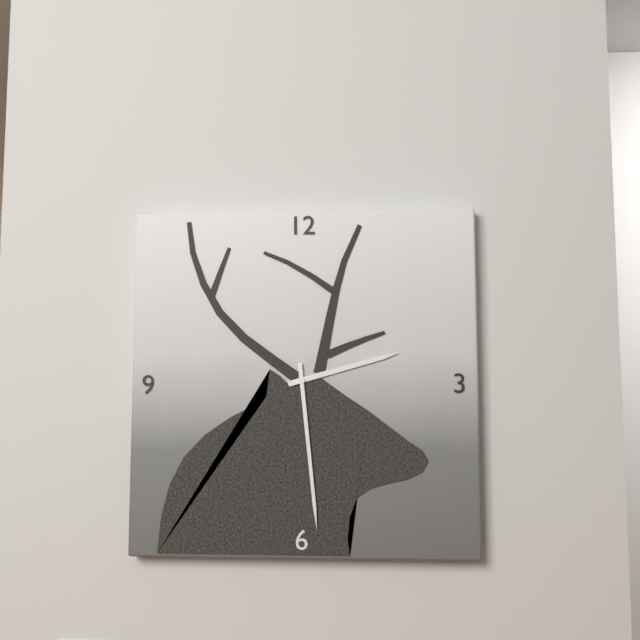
{"hour": 2, "minute": 29}
